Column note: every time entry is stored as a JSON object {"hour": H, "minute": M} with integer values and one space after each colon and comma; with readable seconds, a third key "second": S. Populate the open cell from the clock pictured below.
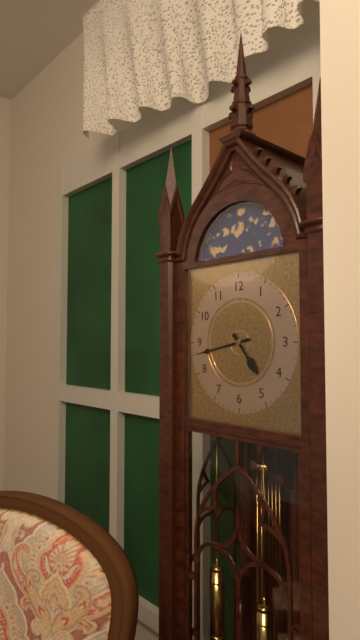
{"hour": 4, "minute": 43}
